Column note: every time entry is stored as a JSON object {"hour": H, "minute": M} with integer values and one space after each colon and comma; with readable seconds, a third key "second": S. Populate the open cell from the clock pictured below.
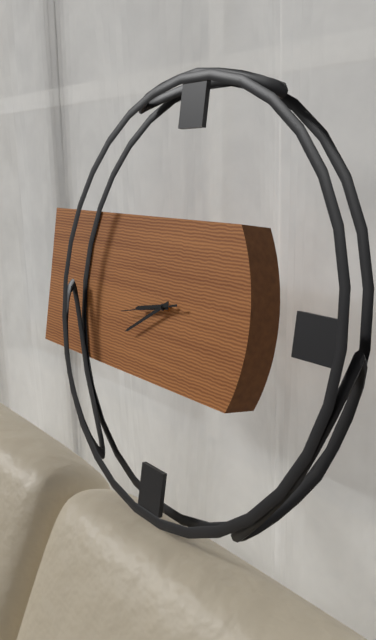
{"hour": 8, "minute": 40, "second": 43}
